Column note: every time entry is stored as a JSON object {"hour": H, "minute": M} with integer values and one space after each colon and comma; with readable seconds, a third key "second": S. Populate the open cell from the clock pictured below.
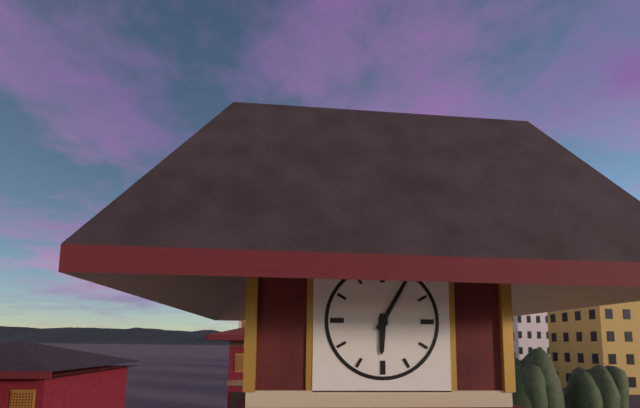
{"hour": 6, "minute": 5}
